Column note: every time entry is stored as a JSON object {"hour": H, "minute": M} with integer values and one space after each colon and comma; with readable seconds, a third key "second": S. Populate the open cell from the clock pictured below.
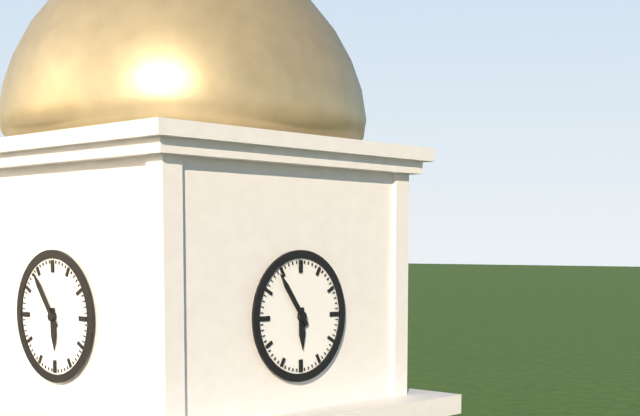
{"hour": 5, "minute": 54}
